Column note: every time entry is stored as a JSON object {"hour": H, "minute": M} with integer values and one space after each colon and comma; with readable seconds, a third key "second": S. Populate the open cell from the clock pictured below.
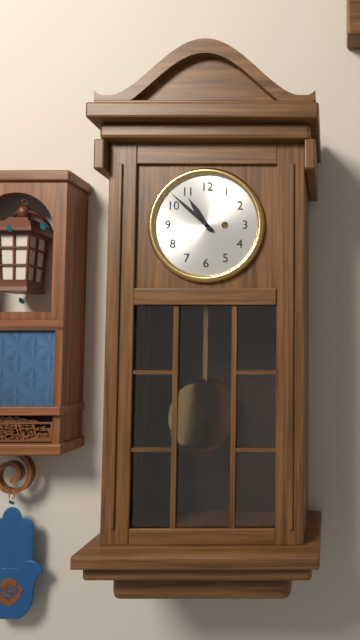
{"hour": 10, "minute": 52}
